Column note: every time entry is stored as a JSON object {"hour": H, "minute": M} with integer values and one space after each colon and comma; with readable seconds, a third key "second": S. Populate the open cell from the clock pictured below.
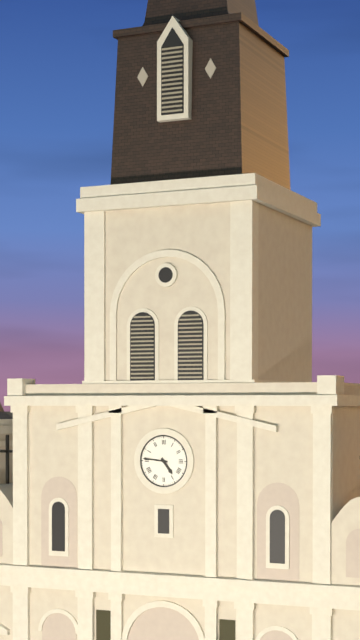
{"hour": 4, "minute": 46}
